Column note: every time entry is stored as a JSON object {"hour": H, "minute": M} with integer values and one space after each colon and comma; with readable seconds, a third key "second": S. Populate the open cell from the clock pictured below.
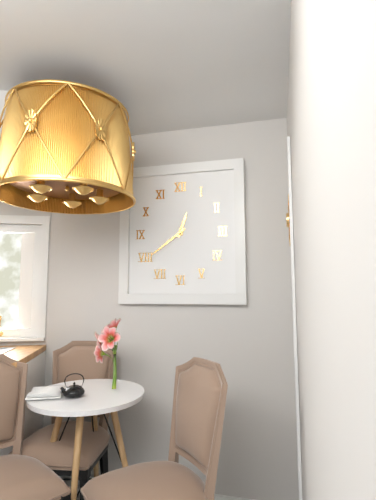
{"hour": 12, "minute": 39}
